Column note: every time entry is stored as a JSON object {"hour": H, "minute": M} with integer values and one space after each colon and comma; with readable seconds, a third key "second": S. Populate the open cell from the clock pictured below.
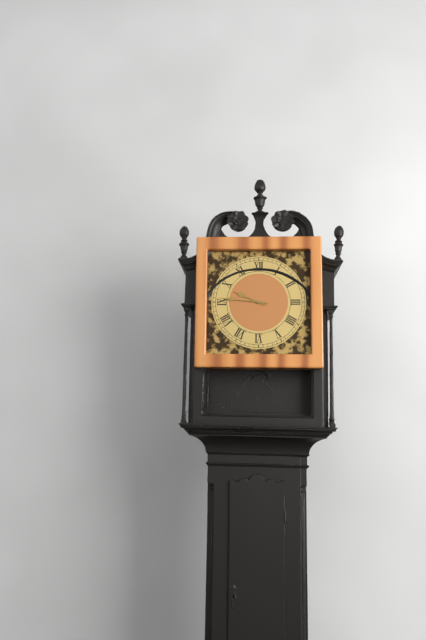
{"hour": 9, "minute": 46}
